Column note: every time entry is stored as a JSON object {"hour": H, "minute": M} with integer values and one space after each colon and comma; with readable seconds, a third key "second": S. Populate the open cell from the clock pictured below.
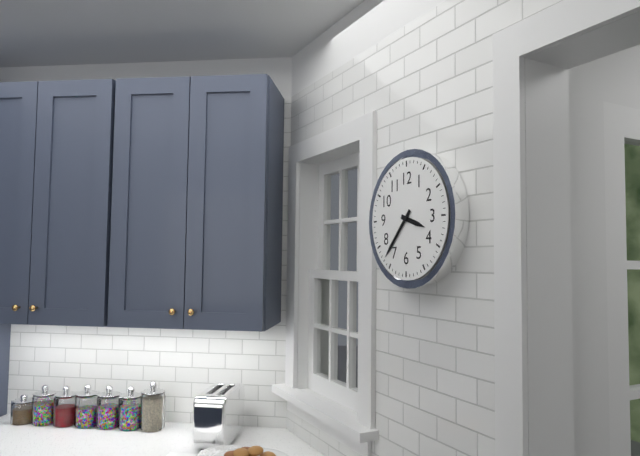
{"hour": 3, "minute": 37}
